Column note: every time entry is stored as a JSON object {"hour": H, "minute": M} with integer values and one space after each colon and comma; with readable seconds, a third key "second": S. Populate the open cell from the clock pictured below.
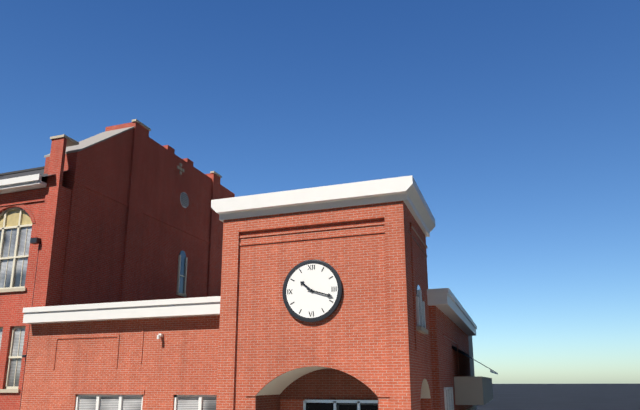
{"hour": 10, "minute": 18}
